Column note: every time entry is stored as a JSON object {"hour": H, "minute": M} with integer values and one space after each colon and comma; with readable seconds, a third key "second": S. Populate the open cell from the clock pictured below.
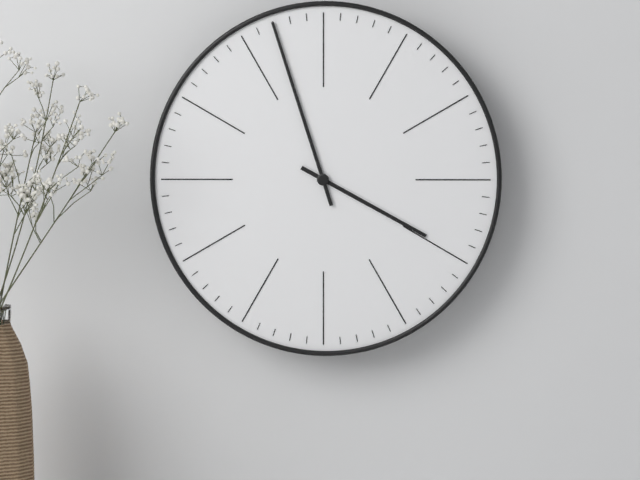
{"hour": 3, "minute": 57}
